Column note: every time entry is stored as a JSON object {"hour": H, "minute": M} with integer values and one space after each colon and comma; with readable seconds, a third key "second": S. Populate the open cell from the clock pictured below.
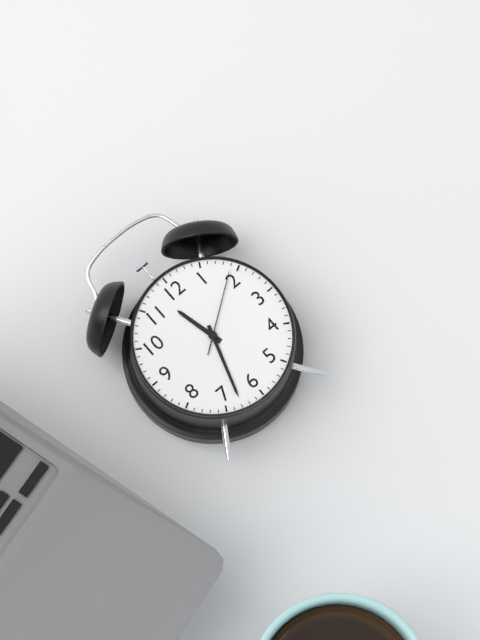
{"hour": 11, "minute": 33, "second": 9}
